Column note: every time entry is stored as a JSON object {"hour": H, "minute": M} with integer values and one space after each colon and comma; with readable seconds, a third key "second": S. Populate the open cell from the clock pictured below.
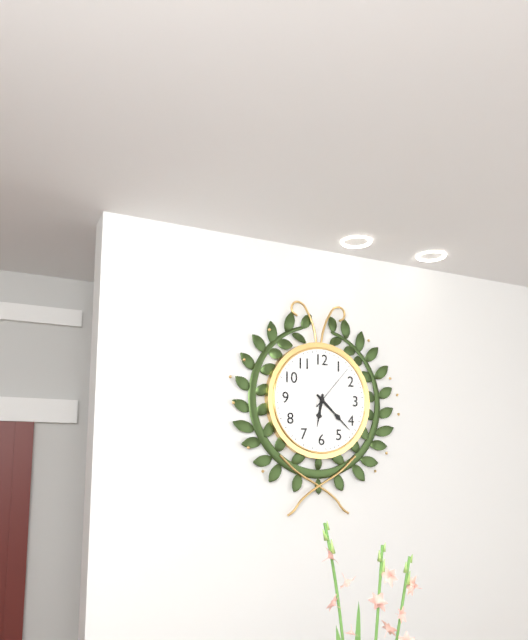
{"hour": 6, "minute": 22, "second": 7}
